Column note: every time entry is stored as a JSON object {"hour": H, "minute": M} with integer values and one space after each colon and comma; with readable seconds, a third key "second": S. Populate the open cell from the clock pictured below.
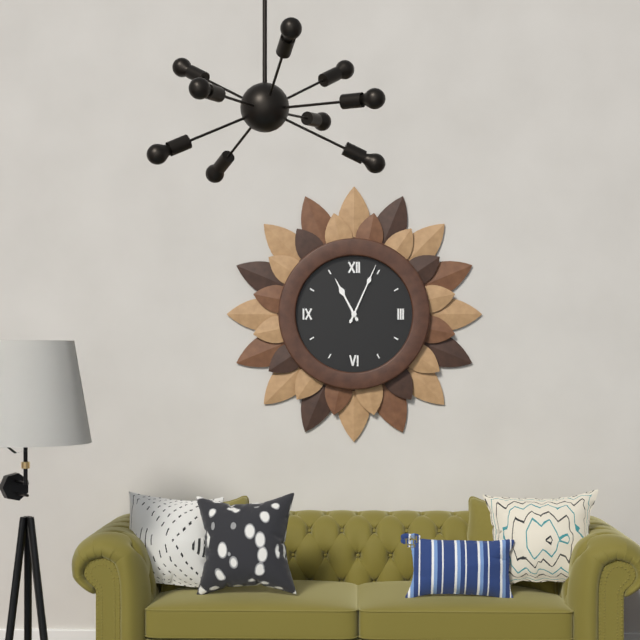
{"hour": 11, "minute": 4}
